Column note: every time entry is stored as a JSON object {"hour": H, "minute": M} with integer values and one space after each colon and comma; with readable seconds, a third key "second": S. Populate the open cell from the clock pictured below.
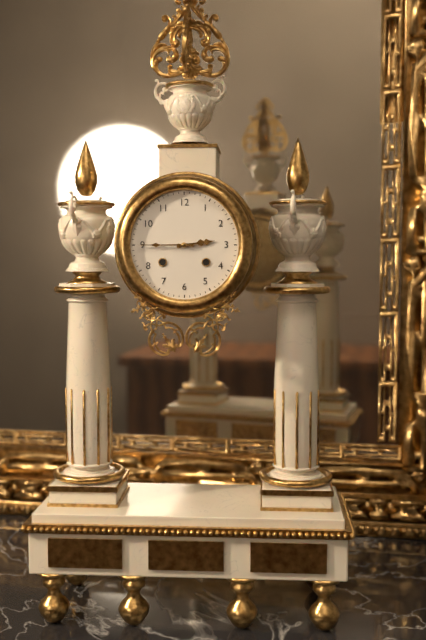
{"hour": 2, "minute": 45}
